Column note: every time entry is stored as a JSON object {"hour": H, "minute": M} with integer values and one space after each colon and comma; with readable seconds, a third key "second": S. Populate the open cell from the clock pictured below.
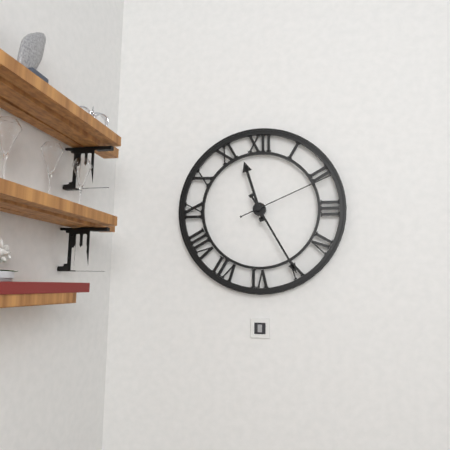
{"hour": 11, "minute": 25, "second": 11}
